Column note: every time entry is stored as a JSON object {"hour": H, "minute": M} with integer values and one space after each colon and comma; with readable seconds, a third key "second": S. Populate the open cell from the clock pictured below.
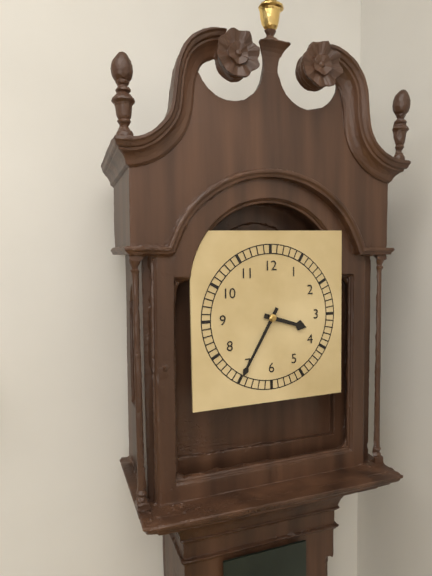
{"hour": 3, "minute": 35}
